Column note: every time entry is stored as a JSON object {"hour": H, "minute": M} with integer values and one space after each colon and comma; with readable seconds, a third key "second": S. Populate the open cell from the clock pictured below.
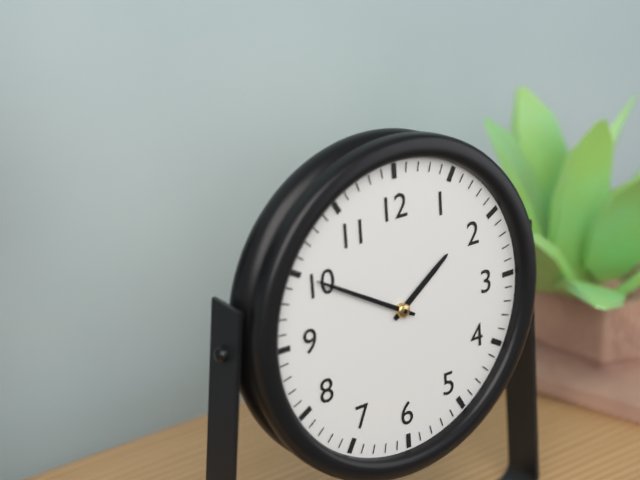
{"hour": 1, "minute": 50}
